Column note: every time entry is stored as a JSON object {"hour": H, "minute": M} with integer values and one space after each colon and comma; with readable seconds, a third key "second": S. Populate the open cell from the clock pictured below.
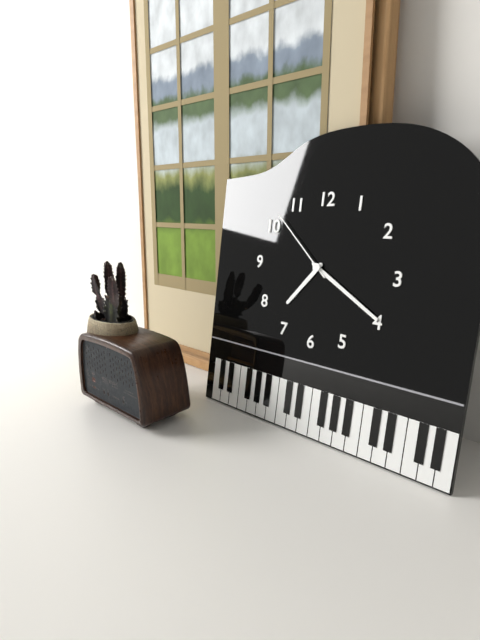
{"hour": 7, "minute": 20, "second": 52}
